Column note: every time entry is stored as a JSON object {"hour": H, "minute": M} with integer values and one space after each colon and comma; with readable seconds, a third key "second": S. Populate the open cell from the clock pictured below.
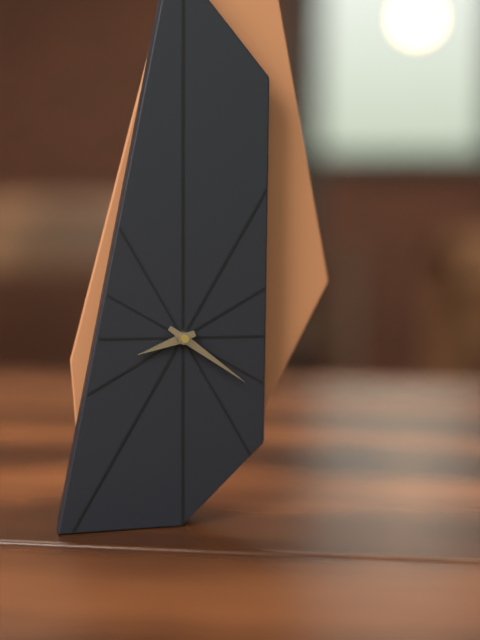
{"hour": 8, "minute": 21}
